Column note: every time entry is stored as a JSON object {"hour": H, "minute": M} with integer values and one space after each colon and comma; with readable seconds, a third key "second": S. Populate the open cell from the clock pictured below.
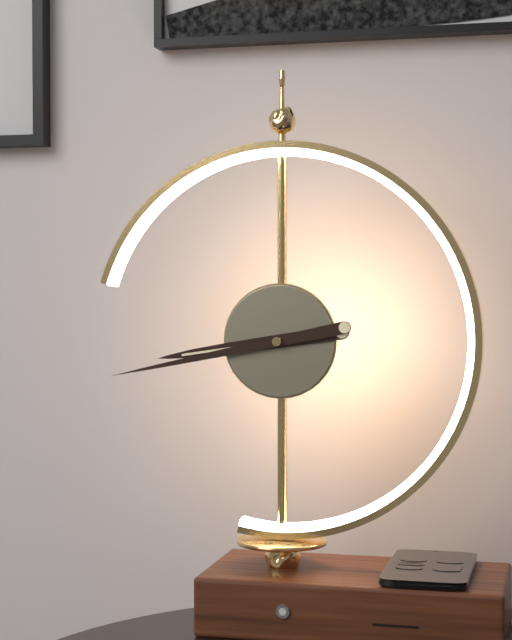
{"hour": 8, "minute": 43}
